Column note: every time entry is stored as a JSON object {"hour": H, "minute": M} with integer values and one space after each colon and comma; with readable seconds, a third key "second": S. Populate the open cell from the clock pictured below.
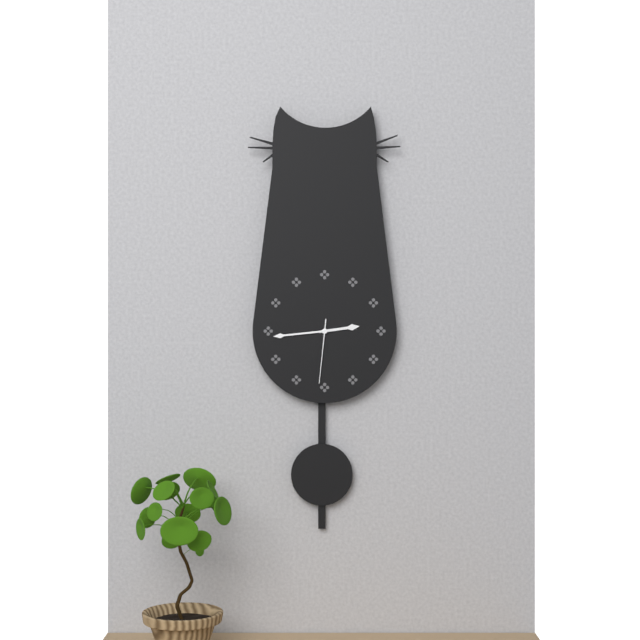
{"hour": 2, "minute": 44, "second": 31}
